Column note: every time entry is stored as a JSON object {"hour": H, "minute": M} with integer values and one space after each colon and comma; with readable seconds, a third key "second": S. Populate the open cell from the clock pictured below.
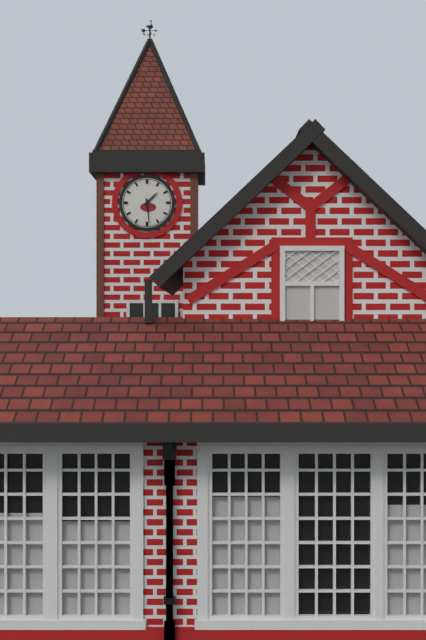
{"hour": 1, "minute": 29}
